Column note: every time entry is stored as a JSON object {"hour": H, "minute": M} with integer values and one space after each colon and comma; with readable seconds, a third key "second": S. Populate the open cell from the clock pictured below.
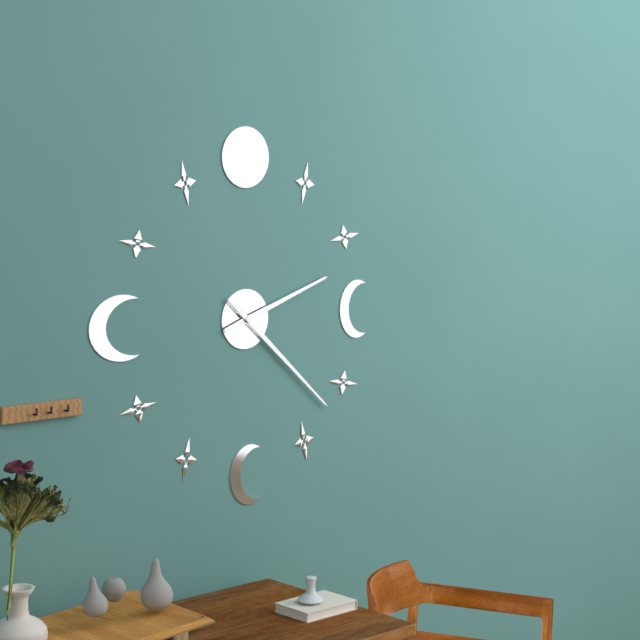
{"hour": 2, "minute": 22}
